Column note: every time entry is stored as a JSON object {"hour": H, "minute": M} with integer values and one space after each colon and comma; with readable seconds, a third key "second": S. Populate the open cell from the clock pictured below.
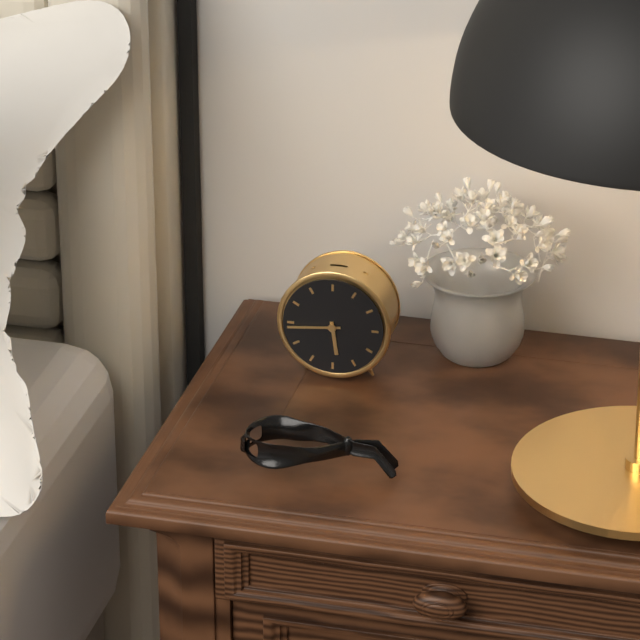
{"hour": 5, "minute": 44}
